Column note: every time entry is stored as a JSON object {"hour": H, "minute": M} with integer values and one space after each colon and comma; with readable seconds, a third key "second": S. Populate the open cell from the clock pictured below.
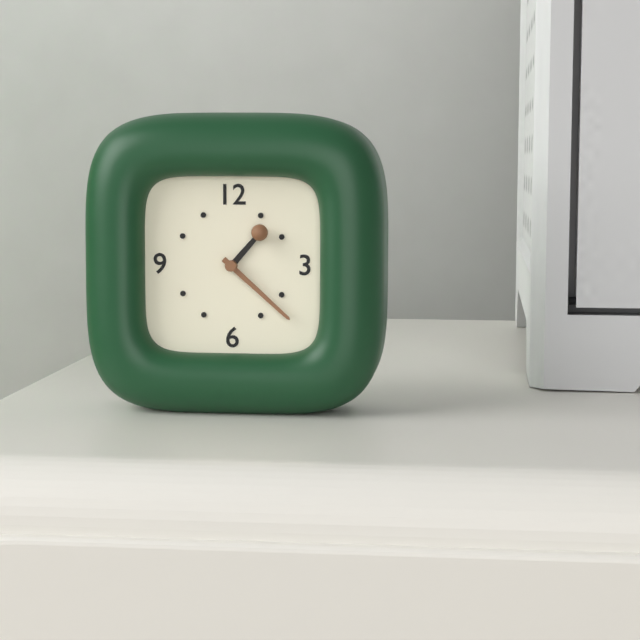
{"hour": 1, "minute": 22}
